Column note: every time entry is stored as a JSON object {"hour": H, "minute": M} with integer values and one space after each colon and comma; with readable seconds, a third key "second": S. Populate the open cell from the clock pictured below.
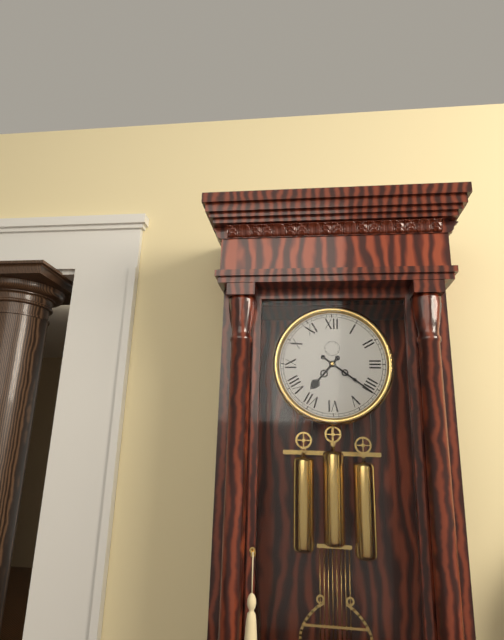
{"hour": 7, "minute": 21}
